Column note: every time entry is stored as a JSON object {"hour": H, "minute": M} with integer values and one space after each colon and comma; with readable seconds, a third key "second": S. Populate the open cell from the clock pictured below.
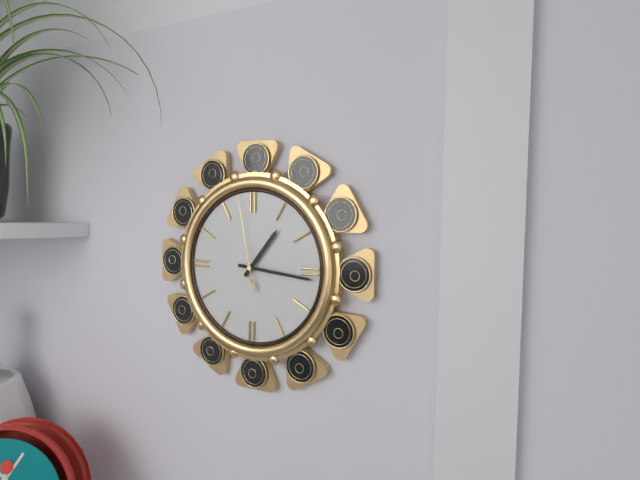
{"hour": 1, "minute": 16, "second": 58}
